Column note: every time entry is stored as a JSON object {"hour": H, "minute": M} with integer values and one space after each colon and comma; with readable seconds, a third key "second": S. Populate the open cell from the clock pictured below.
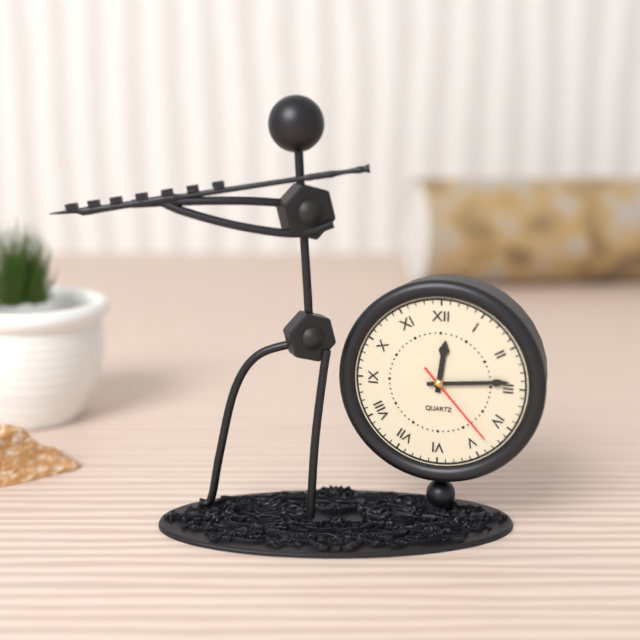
{"hour": 12, "minute": 14, "second": 23}
